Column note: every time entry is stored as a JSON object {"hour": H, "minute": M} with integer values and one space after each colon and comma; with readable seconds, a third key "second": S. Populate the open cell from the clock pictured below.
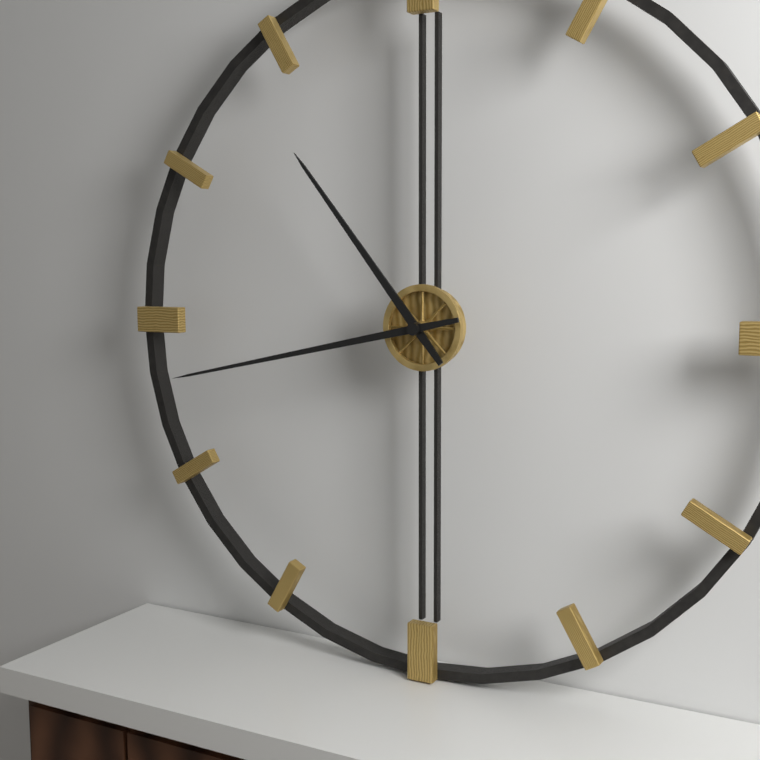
{"hour": 10, "minute": 43}
